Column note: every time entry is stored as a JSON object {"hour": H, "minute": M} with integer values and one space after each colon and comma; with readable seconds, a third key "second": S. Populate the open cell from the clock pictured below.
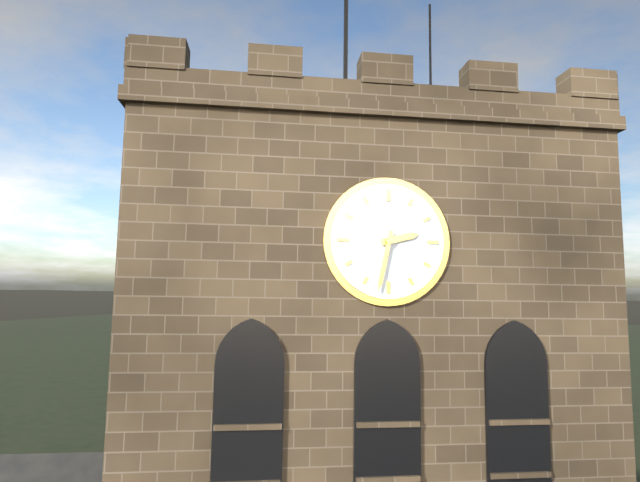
{"hour": 2, "minute": 32}
